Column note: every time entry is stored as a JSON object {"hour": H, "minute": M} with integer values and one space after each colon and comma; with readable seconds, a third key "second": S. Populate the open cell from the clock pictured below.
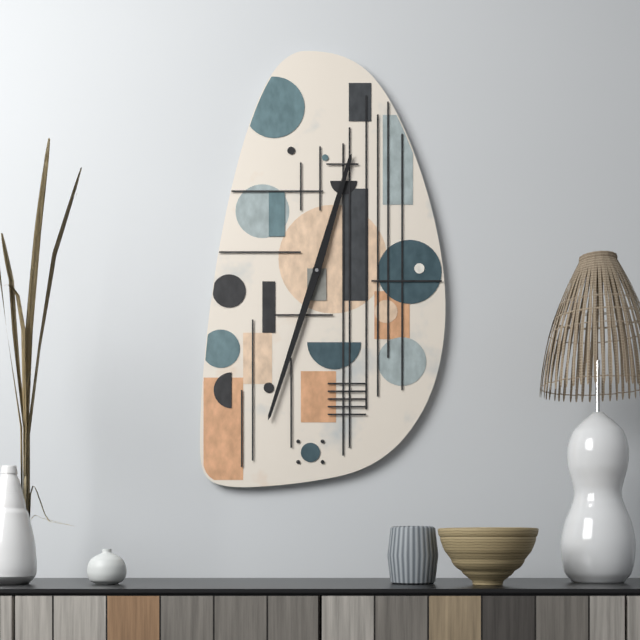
{"hour": 12, "minute": 33}
